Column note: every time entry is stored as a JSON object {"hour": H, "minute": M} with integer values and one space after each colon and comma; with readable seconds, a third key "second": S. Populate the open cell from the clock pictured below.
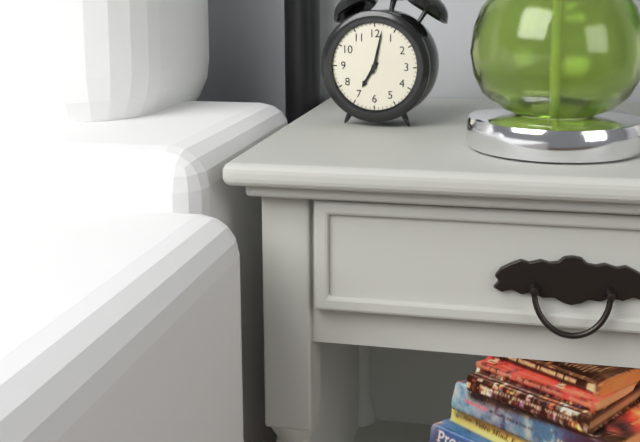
{"hour": 7, "minute": 2}
